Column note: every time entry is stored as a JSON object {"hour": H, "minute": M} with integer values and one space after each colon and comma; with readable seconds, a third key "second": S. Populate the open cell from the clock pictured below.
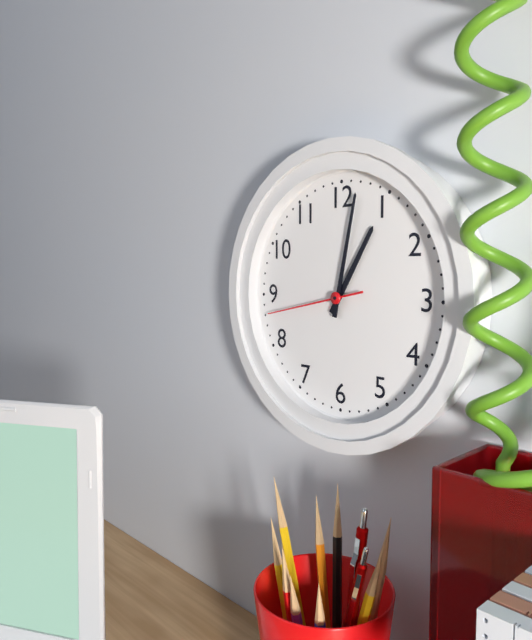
{"hour": 1, "minute": 2, "second": 43}
